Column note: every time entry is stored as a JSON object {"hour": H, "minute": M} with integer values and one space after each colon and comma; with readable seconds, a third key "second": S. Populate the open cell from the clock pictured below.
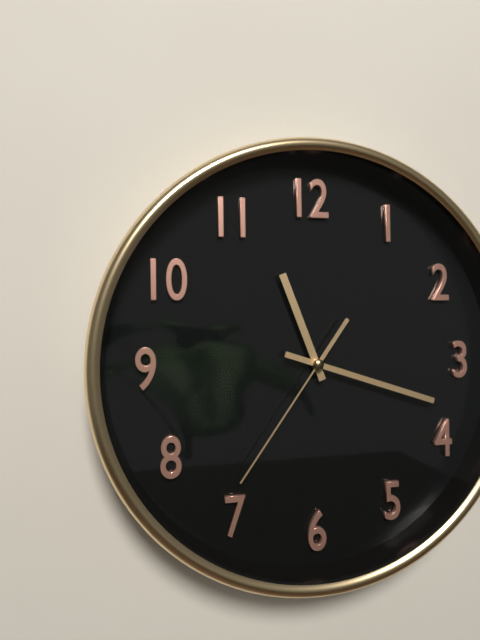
{"hour": 11, "minute": 18, "second": 36}
